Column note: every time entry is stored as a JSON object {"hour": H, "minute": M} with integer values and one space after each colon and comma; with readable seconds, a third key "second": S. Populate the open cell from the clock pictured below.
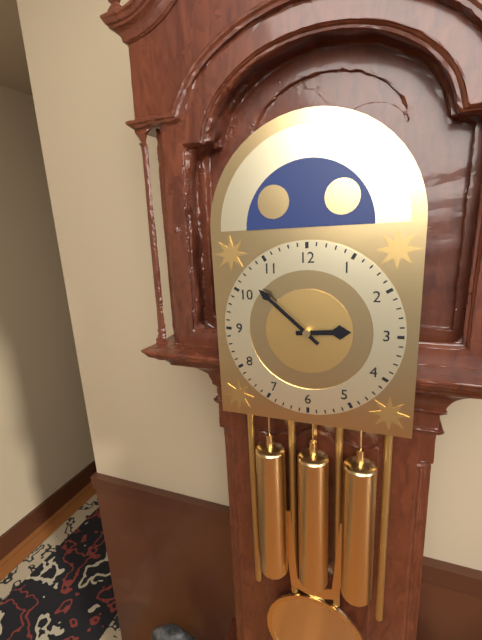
{"hour": 2, "minute": 52}
